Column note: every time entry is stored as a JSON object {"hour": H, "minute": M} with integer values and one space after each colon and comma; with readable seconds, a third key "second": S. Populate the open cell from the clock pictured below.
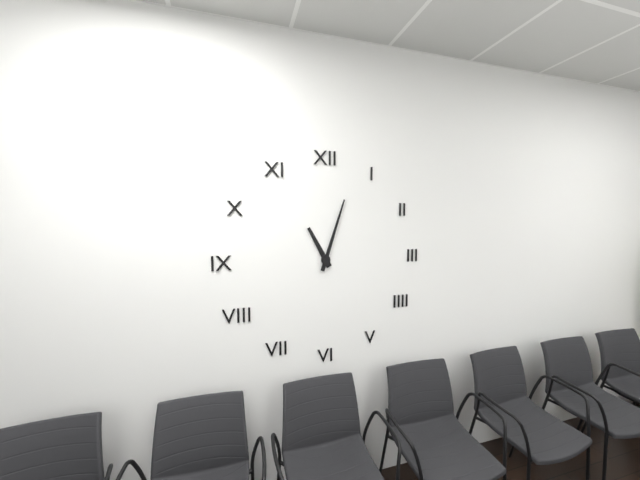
{"hour": 11, "minute": 3}
